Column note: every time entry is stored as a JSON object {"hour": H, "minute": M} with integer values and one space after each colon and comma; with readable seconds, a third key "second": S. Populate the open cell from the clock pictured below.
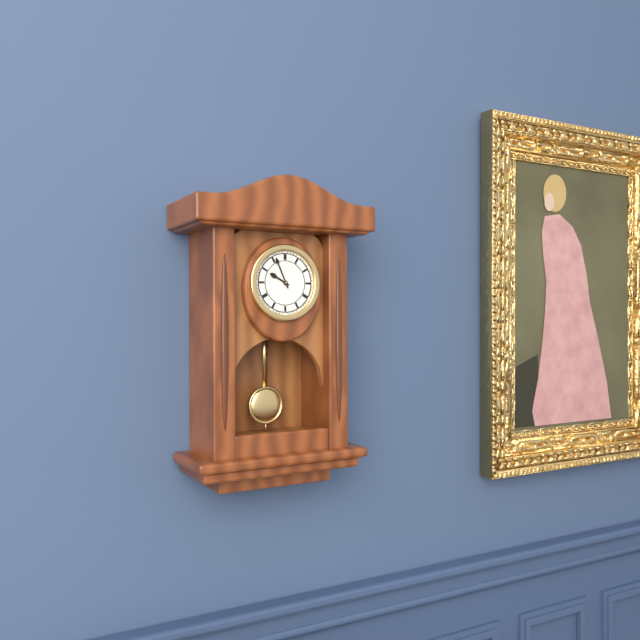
{"hour": 9, "minute": 56}
